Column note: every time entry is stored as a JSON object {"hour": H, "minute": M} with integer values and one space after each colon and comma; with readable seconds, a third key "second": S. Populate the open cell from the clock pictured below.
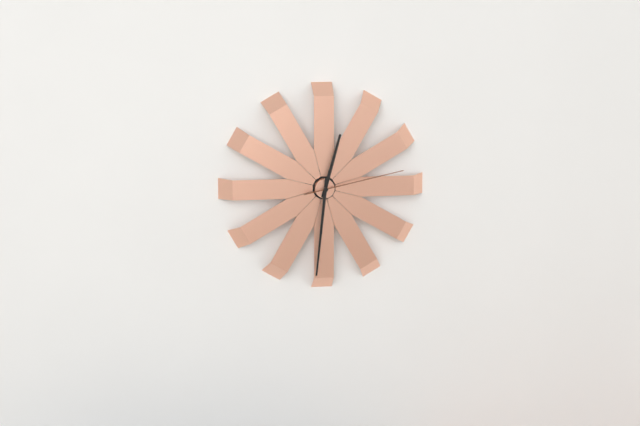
{"hour": 12, "minute": 31, "second": 13}
